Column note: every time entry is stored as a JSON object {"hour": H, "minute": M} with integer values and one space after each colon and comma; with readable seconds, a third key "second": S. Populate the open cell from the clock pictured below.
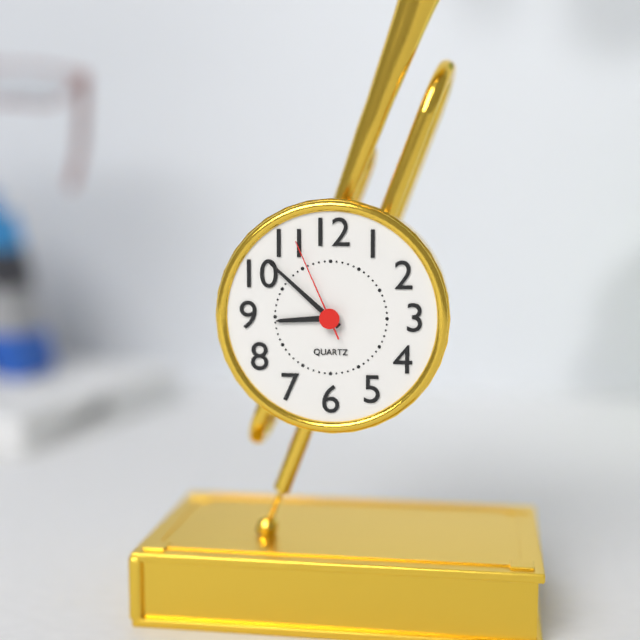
{"hour": 8, "minute": 52, "second": 56}
